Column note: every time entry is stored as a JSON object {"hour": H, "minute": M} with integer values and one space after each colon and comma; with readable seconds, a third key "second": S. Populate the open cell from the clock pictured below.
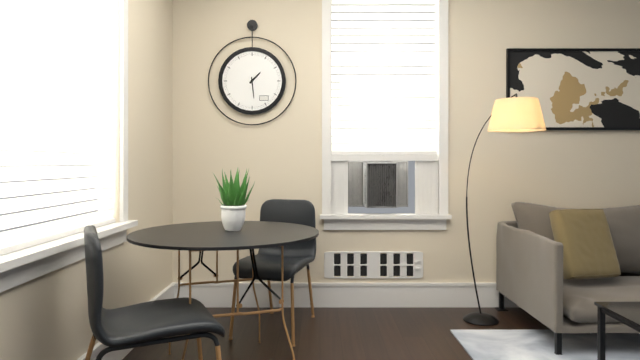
{"hour": 1, "minute": 29}
